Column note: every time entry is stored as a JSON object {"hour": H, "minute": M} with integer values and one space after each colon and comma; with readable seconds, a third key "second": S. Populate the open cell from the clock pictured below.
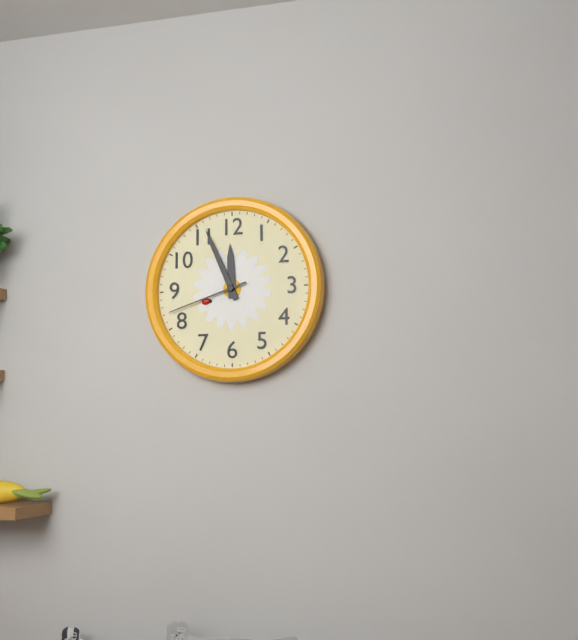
{"hour": 11, "minute": 56, "second": 42}
